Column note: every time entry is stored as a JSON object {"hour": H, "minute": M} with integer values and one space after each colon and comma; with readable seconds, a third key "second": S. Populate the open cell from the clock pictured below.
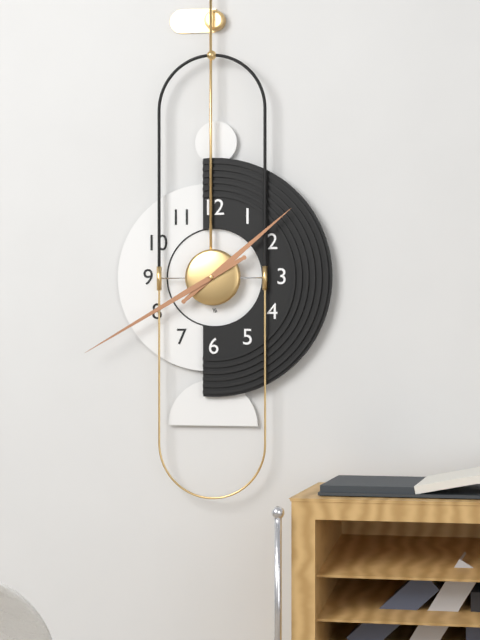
{"hour": 1, "minute": 40}
